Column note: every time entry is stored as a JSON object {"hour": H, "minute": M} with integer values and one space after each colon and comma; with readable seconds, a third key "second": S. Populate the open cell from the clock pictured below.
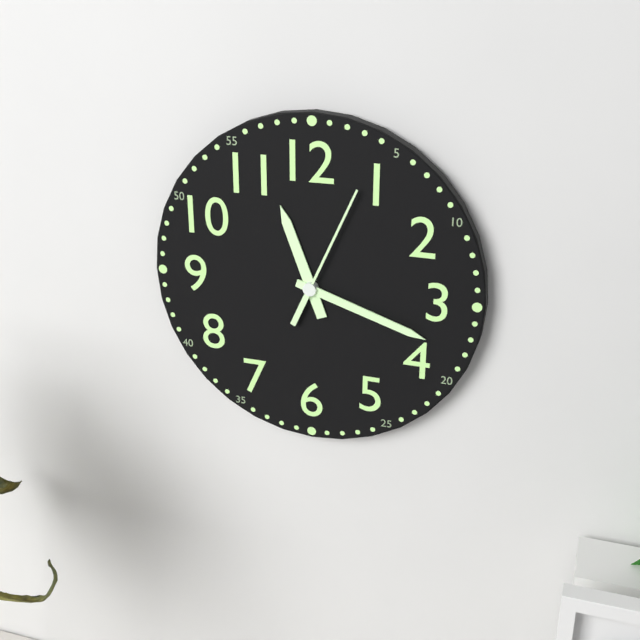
{"hour": 11, "minute": 18, "second": 4}
